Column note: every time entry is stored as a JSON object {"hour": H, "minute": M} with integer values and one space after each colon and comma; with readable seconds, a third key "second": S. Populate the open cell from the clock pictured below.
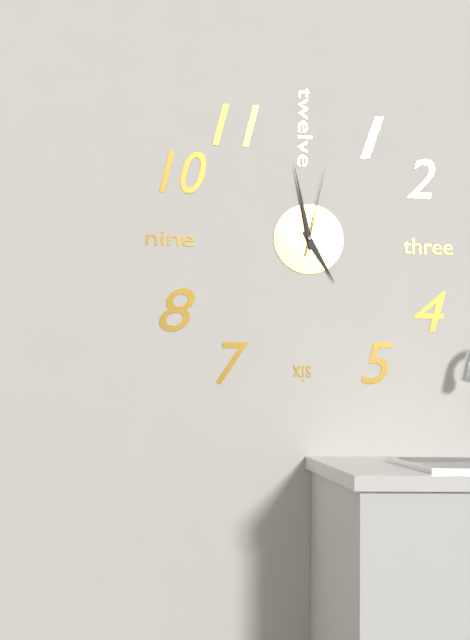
{"hour": 4, "minute": 58, "second": 2}
